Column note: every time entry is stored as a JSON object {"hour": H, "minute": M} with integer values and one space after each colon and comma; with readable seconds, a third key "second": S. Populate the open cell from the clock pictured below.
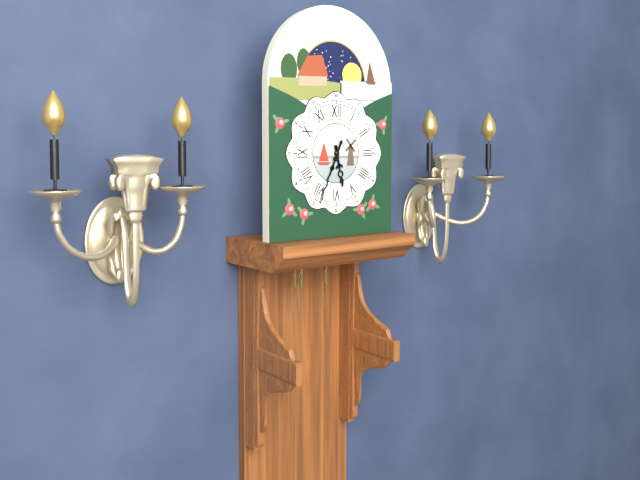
{"hour": 5, "minute": 34}
